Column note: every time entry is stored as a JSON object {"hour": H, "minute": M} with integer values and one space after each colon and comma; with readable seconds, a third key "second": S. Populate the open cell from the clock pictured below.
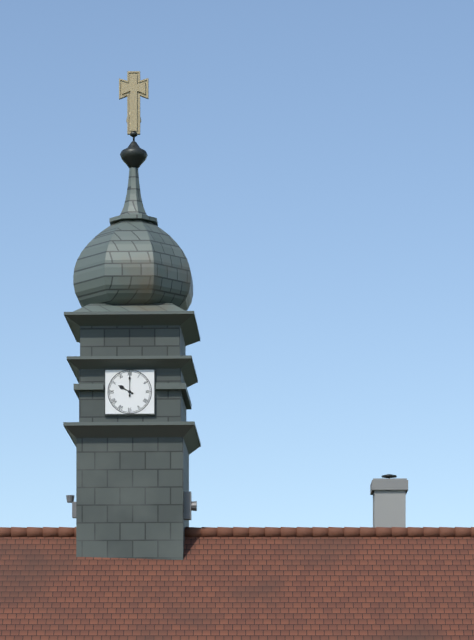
{"hour": 10, "minute": 0}
